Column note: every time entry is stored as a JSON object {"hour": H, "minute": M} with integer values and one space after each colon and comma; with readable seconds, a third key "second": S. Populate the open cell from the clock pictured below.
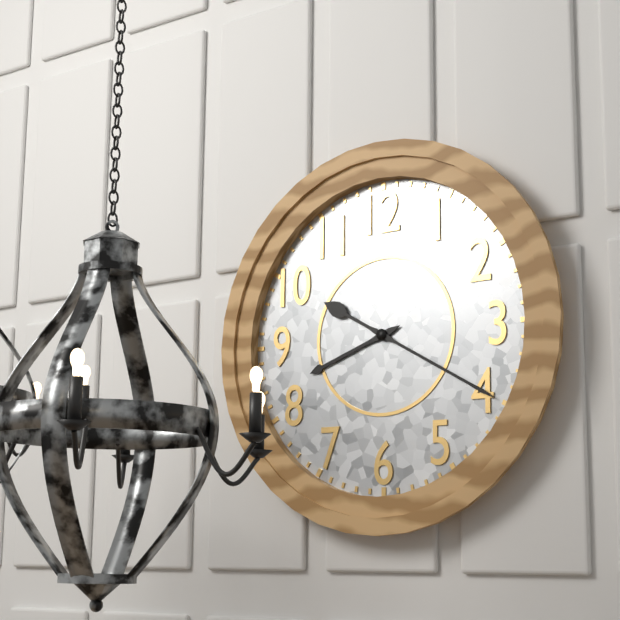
{"hour": 8, "minute": 20}
